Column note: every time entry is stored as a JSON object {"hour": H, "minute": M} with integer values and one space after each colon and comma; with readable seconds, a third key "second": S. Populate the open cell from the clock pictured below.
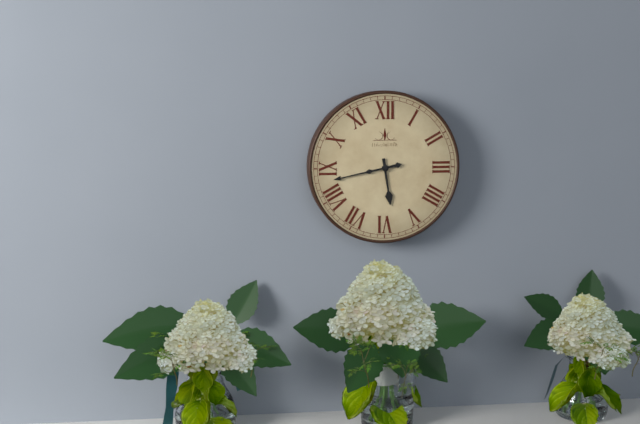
{"hour": 5, "minute": 43}
